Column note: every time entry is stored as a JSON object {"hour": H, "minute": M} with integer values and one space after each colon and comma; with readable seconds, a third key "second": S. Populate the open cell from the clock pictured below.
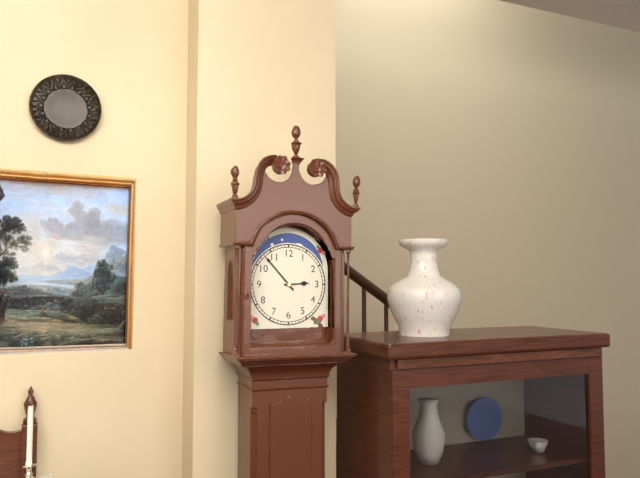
{"hour": 2, "minute": 53}
